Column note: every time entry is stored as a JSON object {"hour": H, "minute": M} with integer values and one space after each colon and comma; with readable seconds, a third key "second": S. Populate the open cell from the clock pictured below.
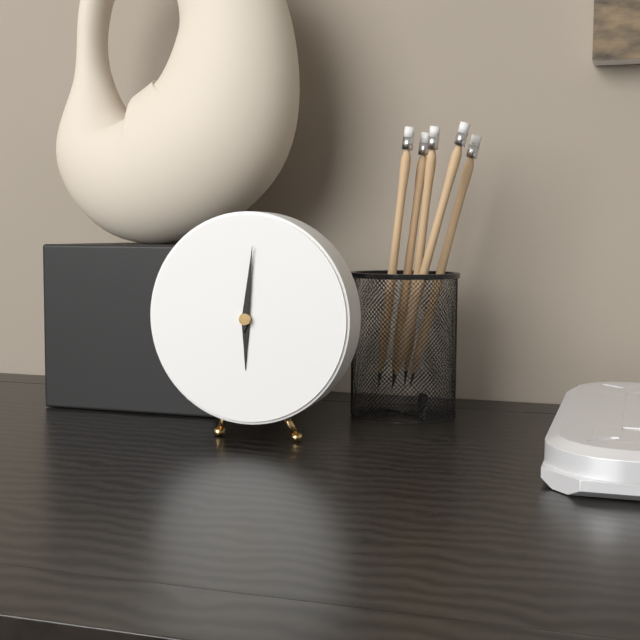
{"hour": 6, "minute": 1}
